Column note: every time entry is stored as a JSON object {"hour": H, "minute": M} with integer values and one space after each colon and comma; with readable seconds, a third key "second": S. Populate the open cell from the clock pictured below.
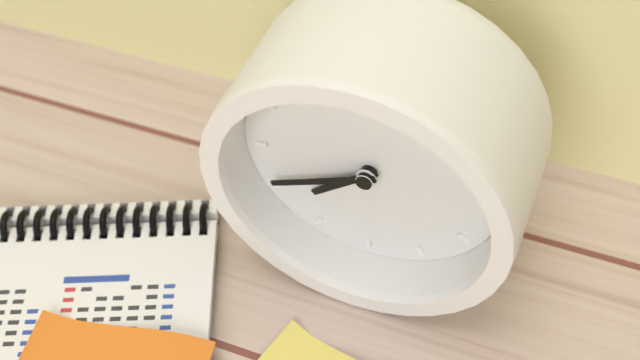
{"hour": 7, "minute": 41}
